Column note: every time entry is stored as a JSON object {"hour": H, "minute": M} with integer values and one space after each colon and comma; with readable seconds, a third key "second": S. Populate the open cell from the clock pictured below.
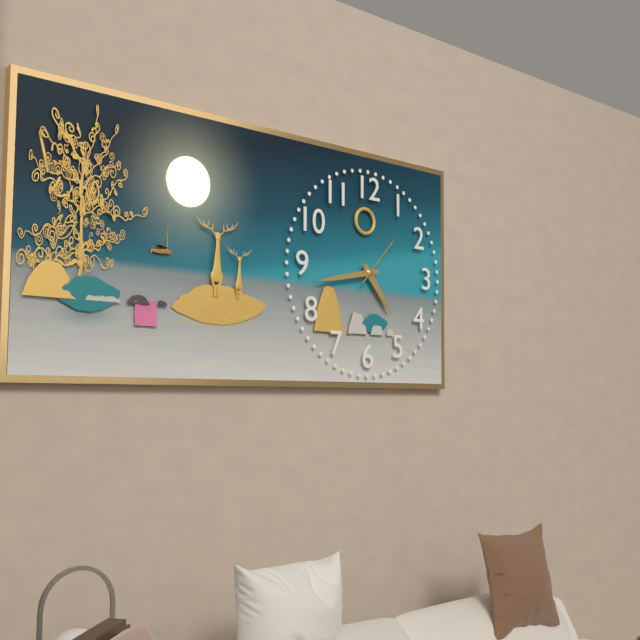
{"hour": 4, "minute": 43, "second": 7}
